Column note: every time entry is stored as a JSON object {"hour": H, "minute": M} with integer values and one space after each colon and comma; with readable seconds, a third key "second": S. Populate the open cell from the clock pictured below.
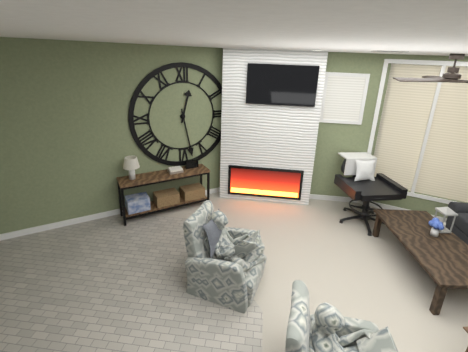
{"hour": 12, "minute": 28}
